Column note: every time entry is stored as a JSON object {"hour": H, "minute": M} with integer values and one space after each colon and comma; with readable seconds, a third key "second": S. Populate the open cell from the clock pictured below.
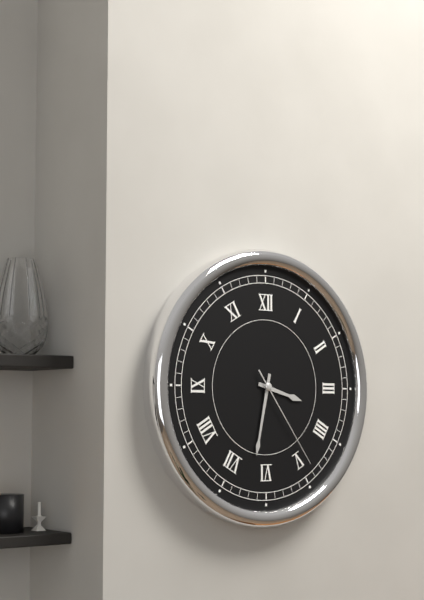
{"hour": 3, "minute": 32, "second": 24}
